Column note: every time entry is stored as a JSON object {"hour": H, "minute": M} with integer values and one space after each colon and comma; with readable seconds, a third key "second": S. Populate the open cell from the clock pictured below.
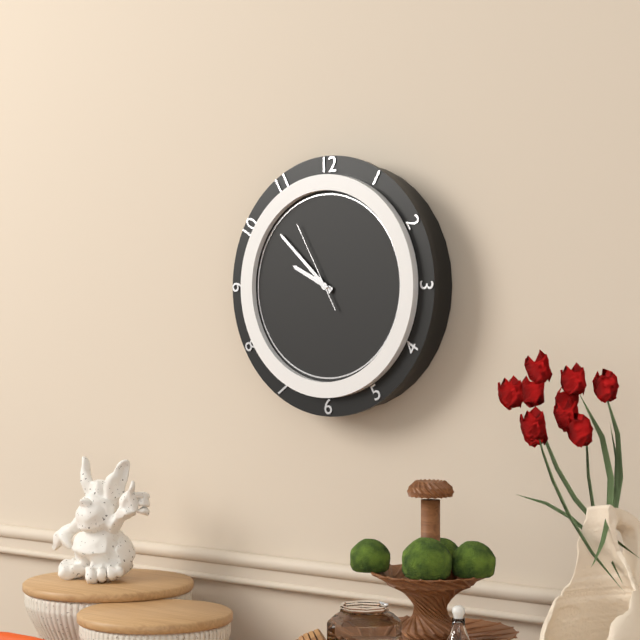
{"hour": 9, "minute": 52, "second": 55}
